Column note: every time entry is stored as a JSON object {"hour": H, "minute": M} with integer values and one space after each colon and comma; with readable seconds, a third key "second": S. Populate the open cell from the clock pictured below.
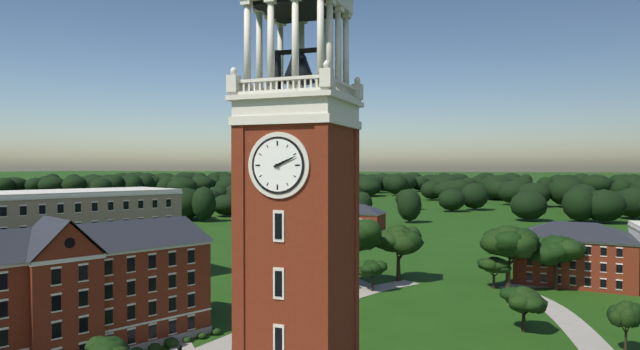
{"hour": 2, "minute": 11}
